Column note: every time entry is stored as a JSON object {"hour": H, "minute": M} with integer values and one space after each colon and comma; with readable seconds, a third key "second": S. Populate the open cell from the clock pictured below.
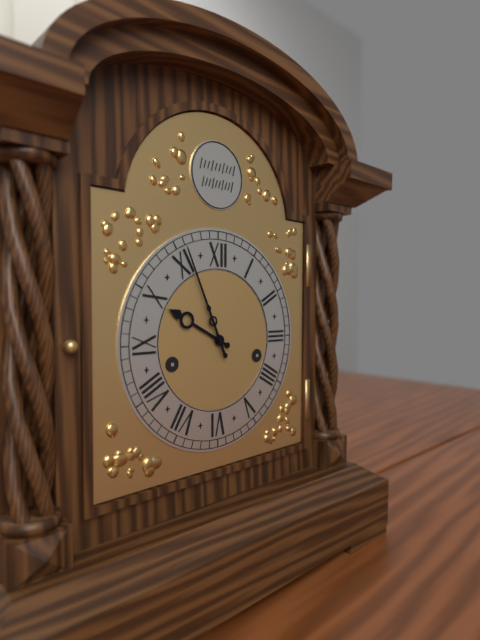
{"hour": 9, "minute": 56}
